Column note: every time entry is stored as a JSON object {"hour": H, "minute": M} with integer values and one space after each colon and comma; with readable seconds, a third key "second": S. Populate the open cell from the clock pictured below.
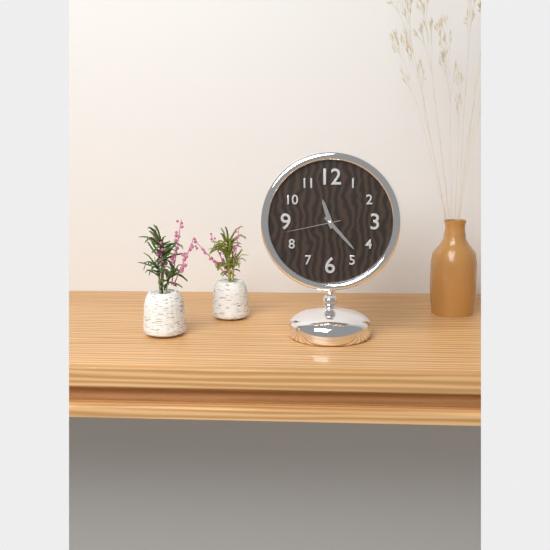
{"hour": 11, "minute": 23, "second": 43}
